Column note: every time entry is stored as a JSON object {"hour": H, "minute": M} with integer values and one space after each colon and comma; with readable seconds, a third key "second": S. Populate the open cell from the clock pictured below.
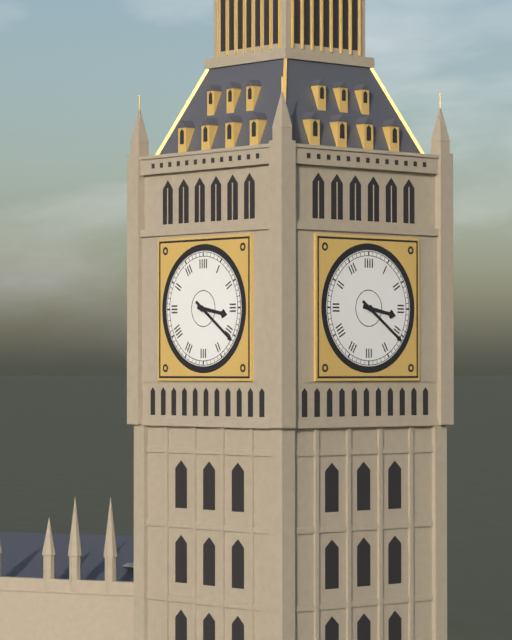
{"hour": 3, "minute": 21}
